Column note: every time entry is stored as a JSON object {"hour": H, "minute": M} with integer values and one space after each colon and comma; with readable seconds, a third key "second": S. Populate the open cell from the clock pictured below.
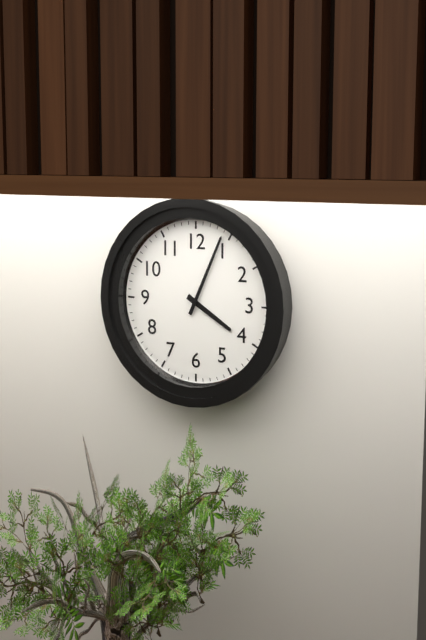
{"hour": 4, "minute": 4}
